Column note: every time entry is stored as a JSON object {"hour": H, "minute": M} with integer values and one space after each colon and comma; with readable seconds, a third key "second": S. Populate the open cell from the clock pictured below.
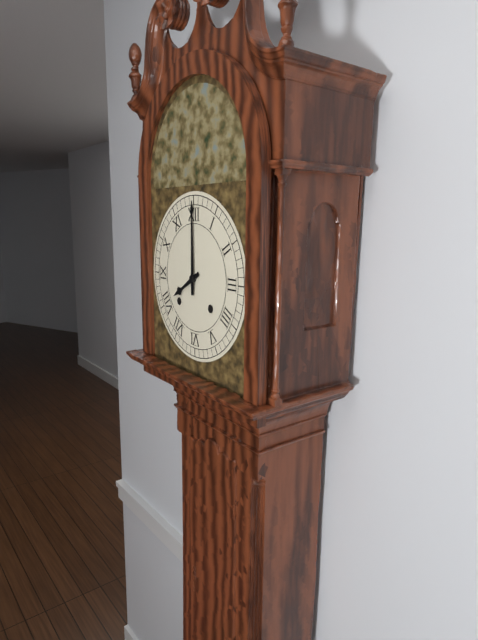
{"hour": 8, "minute": 0}
